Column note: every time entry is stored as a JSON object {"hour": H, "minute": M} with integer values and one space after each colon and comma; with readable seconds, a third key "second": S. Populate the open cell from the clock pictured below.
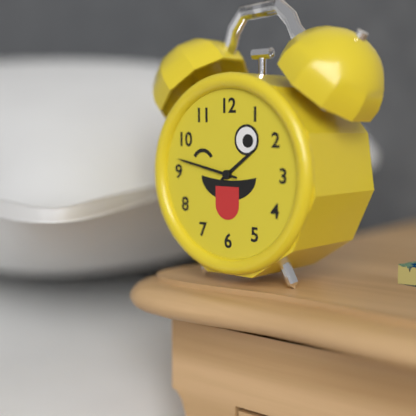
{"hour": 1, "minute": 47}
